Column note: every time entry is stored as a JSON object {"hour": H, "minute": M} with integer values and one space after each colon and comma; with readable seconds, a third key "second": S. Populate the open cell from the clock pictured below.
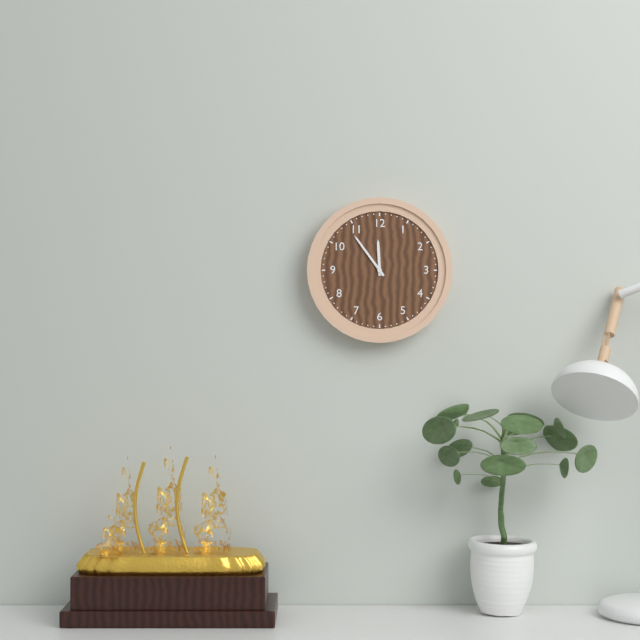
{"hour": 11, "minute": 54}
